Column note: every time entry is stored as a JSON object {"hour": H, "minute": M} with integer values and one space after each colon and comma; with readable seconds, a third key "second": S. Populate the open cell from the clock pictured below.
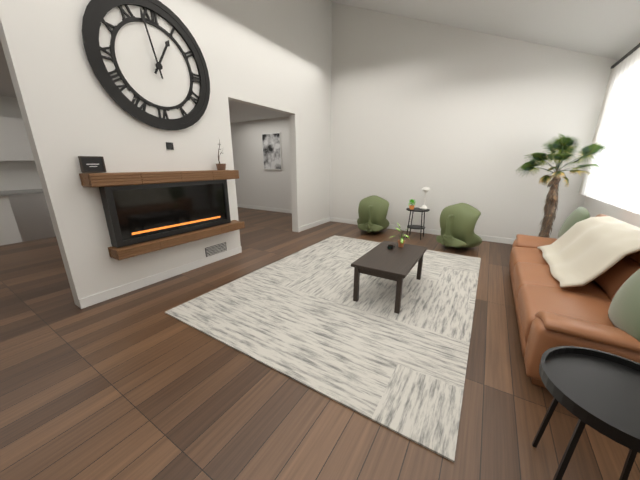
{"hour": 12, "minute": 58}
